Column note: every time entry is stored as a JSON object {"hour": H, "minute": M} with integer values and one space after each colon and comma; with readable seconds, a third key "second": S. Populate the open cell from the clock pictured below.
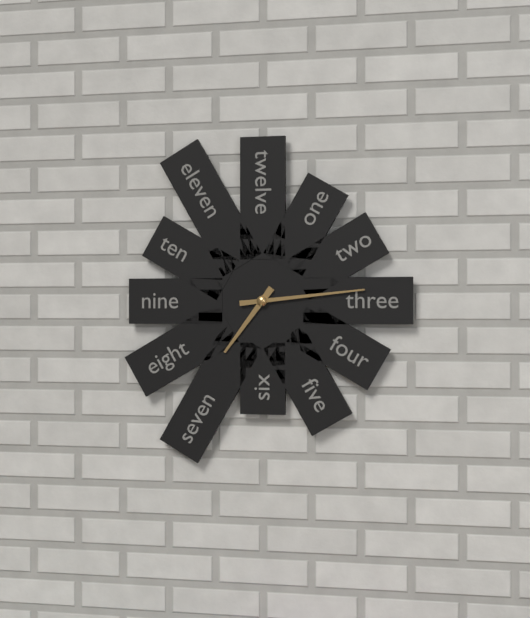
{"hour": 7, "minute": 14}
